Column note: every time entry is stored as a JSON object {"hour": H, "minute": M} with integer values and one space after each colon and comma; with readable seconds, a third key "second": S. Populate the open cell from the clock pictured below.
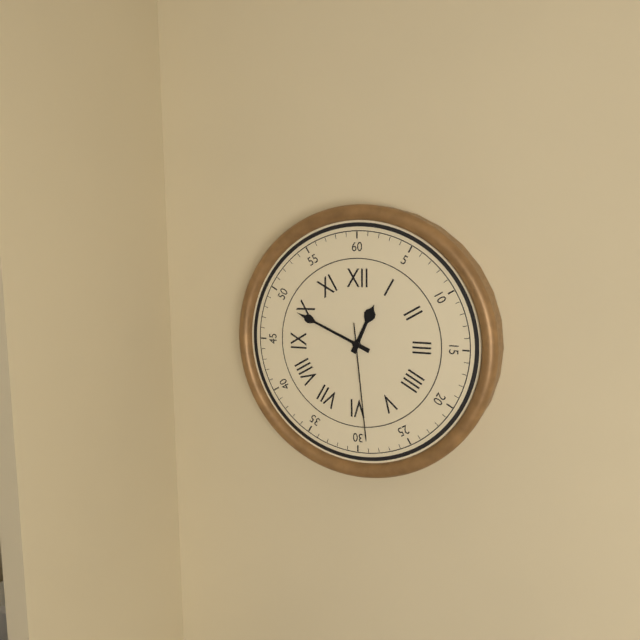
{"hour": 12, "minute": 49, "second": 29}
